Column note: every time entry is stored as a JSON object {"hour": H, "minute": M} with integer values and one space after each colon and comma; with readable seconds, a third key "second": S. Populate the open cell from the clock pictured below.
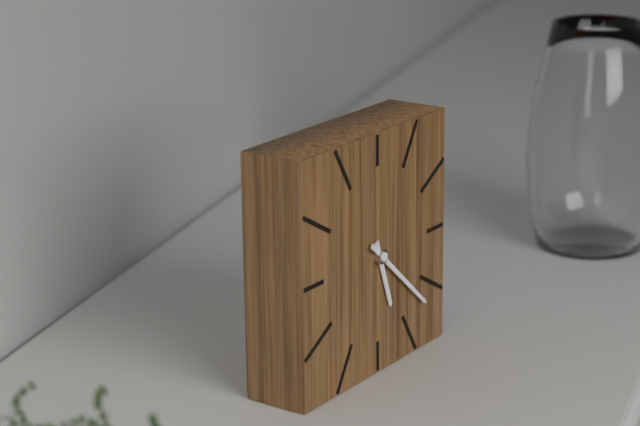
{"hour": 5, "minute": 22}
